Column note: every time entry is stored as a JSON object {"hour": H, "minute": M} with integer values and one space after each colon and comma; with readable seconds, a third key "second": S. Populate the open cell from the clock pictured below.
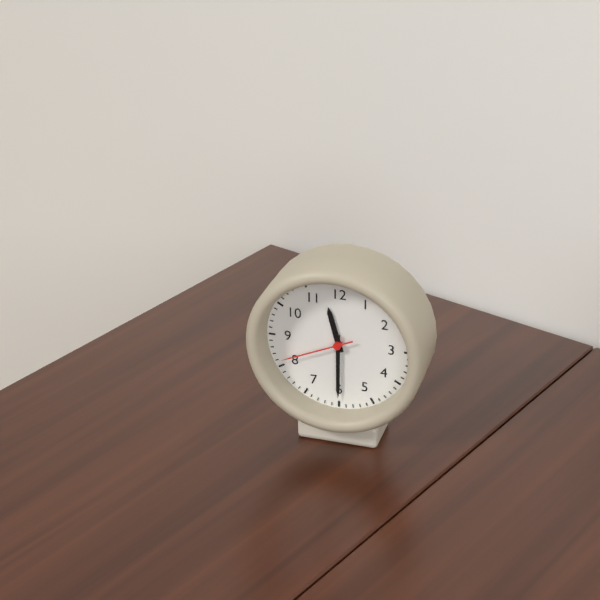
{"hour": 11, "minute": 30, "second": 41}
